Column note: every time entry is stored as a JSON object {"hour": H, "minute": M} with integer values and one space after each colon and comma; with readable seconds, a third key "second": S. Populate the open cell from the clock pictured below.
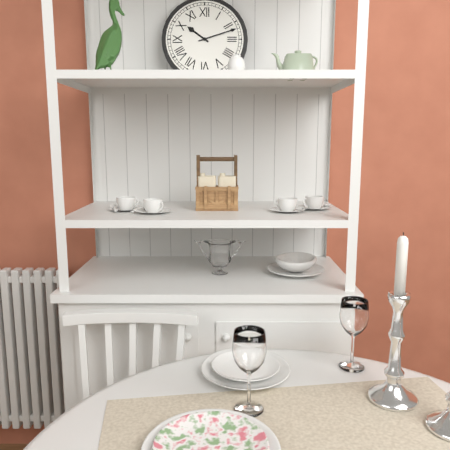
{"hour": 10, "minute": 12}
